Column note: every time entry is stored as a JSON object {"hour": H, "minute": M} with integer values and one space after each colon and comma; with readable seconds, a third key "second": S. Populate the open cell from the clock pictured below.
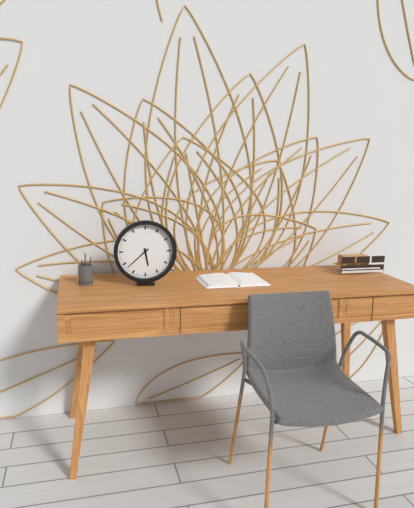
{"hour": 5, "minute": 38}
